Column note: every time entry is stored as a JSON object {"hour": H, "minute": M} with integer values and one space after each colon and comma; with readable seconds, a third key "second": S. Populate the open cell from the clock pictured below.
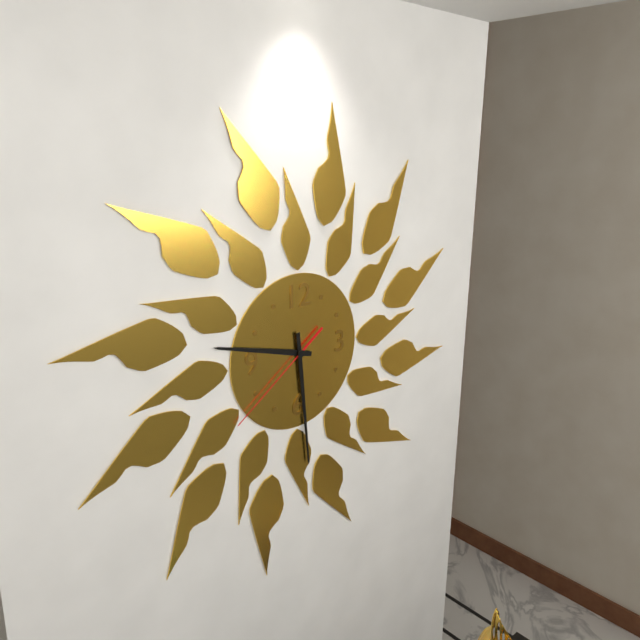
{"hour": 9, "minute": 29, "second": 39}
